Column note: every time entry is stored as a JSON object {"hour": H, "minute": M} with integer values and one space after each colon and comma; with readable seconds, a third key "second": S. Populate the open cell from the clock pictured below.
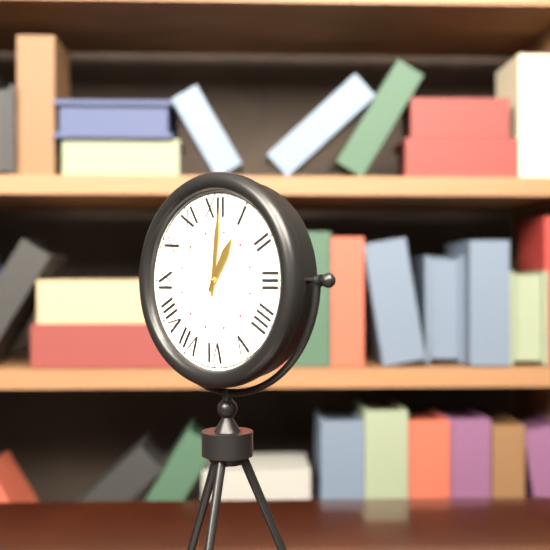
{"hour": 1, "minute": 1}
